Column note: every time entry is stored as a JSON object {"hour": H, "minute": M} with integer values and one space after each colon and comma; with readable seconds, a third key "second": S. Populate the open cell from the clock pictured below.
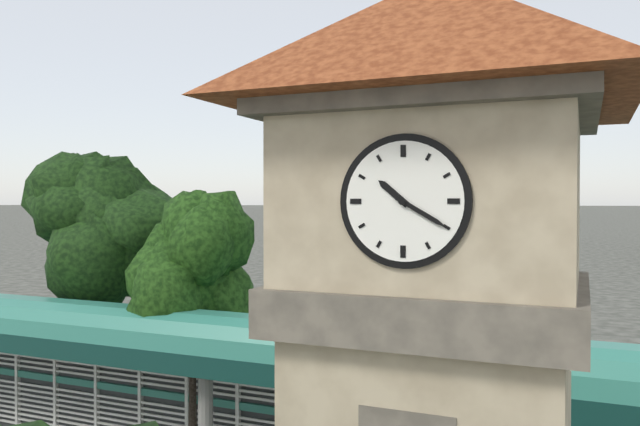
{"hour": 10, "minute": 20}
